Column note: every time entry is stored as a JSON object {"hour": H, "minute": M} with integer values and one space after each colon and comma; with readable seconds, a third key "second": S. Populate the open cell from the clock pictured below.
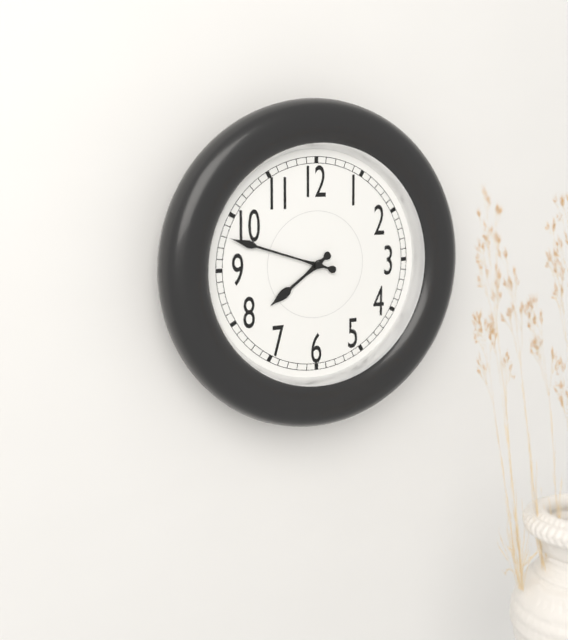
{"hour": 7, "minute": 48}
